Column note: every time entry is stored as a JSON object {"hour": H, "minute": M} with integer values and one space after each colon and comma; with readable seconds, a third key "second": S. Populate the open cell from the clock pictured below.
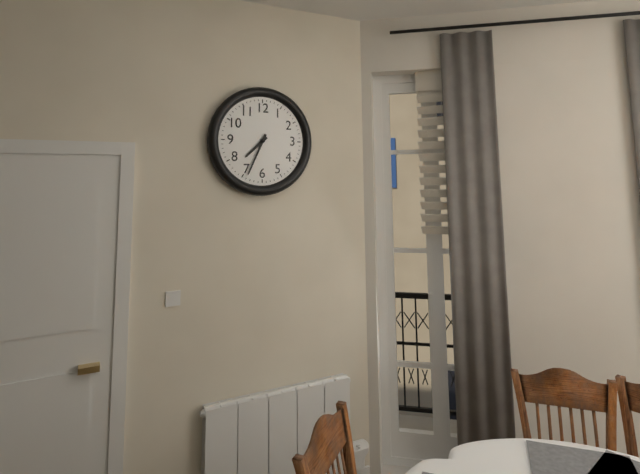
{"hour": 7, "minute": 34}
